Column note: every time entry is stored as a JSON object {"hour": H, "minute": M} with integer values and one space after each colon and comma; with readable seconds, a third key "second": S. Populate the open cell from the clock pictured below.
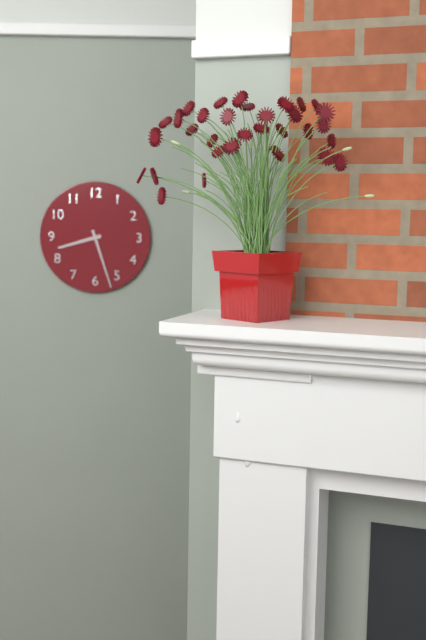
{"hour": 8, "minute": 27}
